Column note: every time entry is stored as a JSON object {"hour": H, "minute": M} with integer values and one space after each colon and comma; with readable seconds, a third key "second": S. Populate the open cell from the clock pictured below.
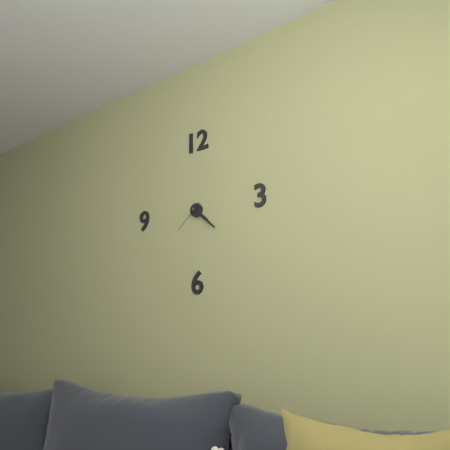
{"hour": 4, "minute": 22}
